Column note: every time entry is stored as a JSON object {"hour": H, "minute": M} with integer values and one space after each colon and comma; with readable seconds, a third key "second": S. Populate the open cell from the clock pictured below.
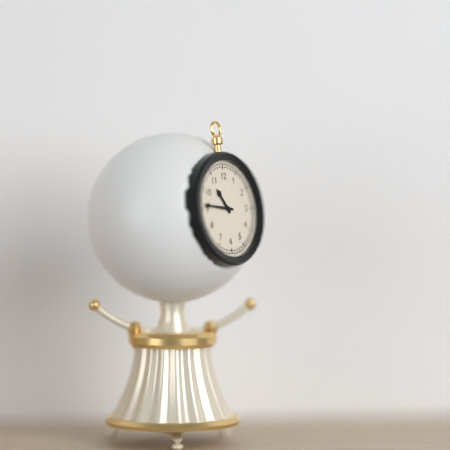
{"hour": 10, "minute": 46}
